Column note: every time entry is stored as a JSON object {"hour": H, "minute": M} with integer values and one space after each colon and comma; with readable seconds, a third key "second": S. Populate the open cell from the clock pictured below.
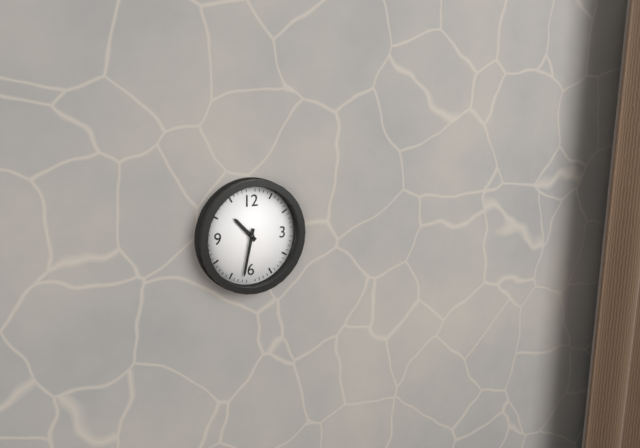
{"hour": 10, "minute": 32}
